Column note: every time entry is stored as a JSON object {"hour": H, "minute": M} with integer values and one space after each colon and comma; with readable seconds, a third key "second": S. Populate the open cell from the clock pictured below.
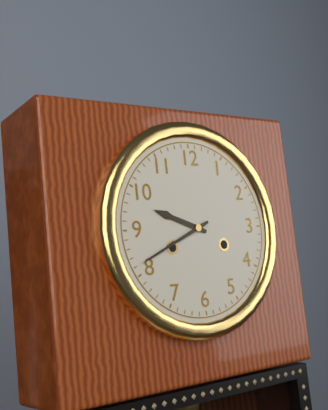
{"hour": 9, "minute": 41}
